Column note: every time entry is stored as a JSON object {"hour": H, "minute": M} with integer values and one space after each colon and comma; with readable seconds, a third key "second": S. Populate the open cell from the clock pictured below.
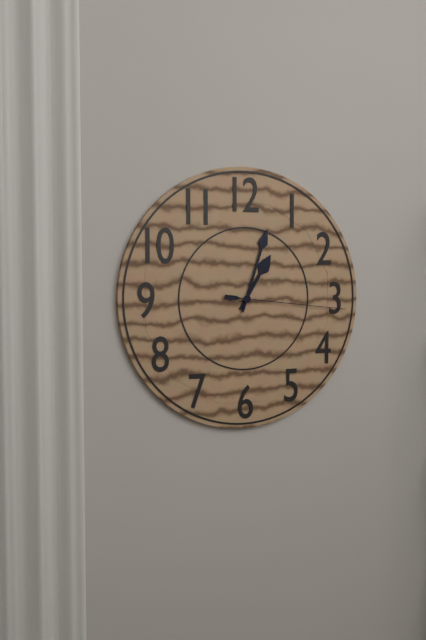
{"hour": 1, "minute": 3, "second": 16}
